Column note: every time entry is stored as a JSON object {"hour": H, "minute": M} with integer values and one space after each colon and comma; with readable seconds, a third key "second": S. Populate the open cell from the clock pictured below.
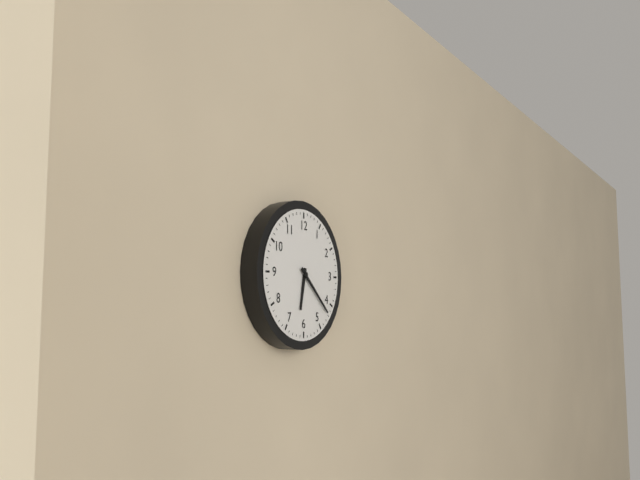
{"hour": 6, "minute": 22}
